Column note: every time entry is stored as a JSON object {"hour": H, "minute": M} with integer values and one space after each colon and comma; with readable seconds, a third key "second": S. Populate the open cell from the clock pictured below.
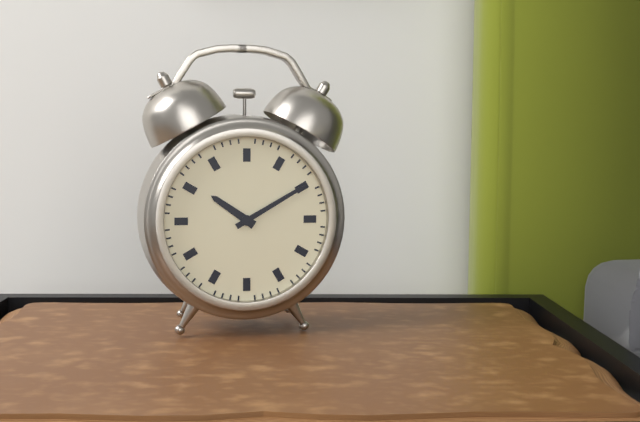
{"hour": 10, "minute": 10}
